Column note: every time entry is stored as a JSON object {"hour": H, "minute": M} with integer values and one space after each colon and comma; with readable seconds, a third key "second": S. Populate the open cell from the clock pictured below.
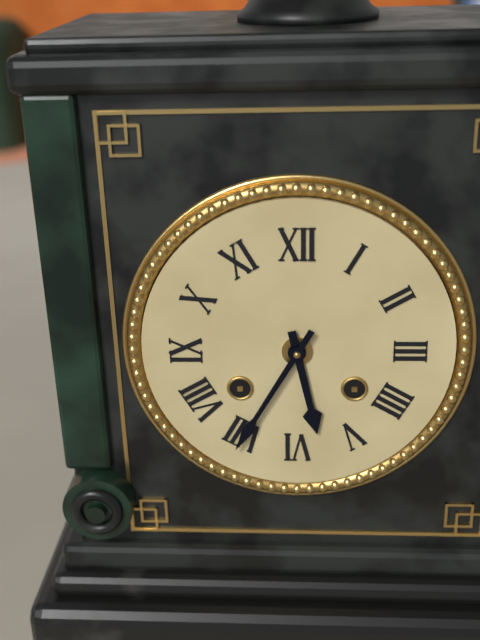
{"hour": 5, "minute": 35}
